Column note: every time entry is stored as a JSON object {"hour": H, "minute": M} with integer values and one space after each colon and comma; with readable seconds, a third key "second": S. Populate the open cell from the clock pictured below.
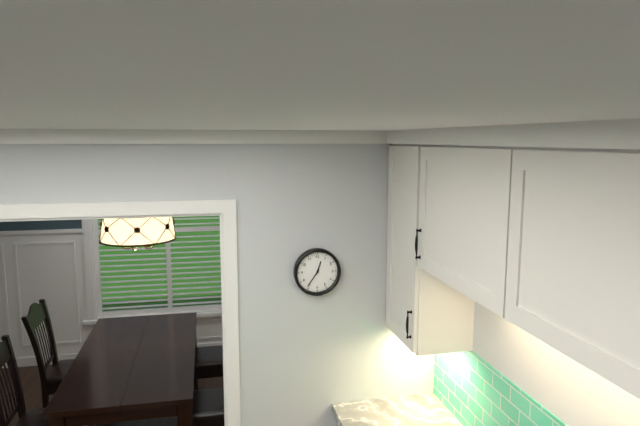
{"hour": 12, "minute": 36}
